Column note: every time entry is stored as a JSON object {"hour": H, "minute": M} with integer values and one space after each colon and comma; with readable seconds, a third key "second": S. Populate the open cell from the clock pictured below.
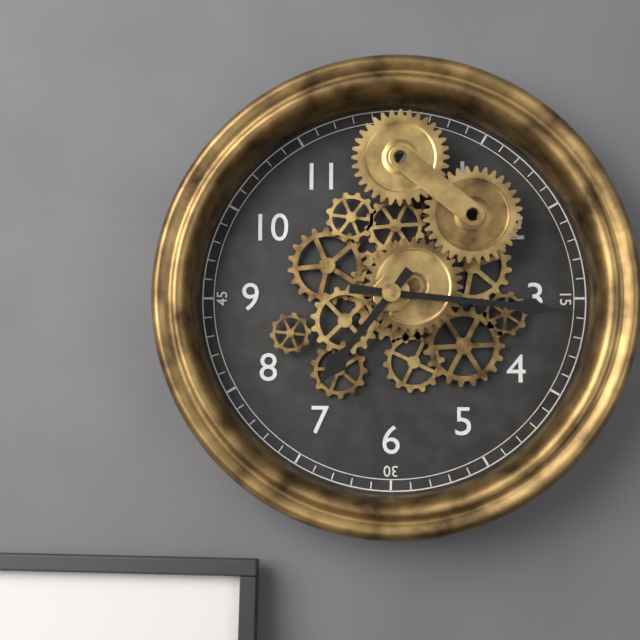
{"hour": 7, "minute": 16}
